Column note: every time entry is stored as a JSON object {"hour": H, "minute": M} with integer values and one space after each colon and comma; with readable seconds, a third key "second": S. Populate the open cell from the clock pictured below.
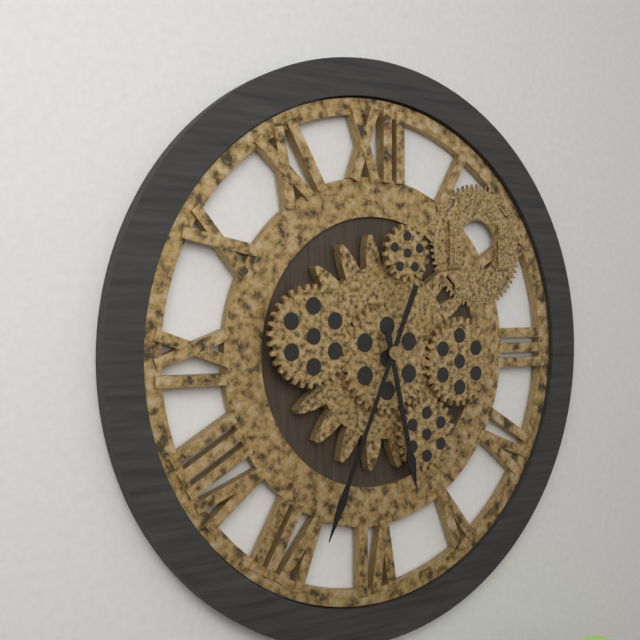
{"hour": 5, "minute": 34}
